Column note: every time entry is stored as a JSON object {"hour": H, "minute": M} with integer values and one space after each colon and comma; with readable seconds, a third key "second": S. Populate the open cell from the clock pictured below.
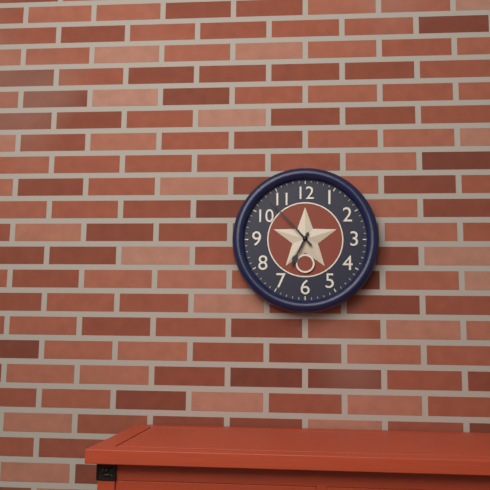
{"hour": 6, "minute": 53}
